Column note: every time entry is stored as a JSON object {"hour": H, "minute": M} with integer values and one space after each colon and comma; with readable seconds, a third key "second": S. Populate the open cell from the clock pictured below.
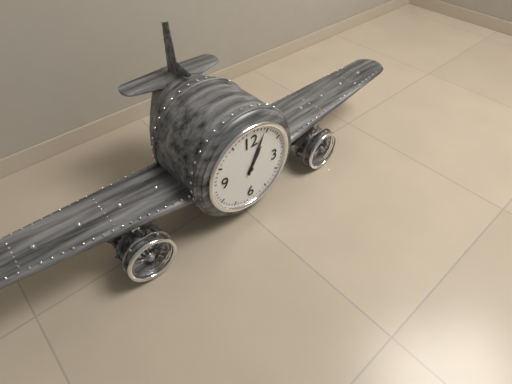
{"hour": 1, "minute": 4}
